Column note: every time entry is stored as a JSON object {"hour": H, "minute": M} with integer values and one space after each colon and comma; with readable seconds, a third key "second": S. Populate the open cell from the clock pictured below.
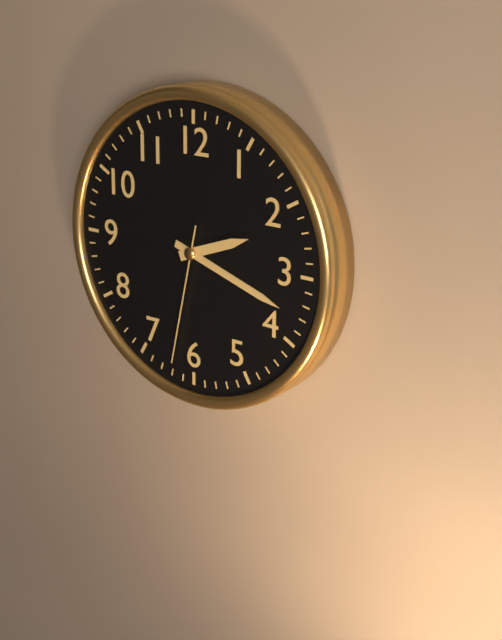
{"hour": 2, "minute": 18, "second": 32}
